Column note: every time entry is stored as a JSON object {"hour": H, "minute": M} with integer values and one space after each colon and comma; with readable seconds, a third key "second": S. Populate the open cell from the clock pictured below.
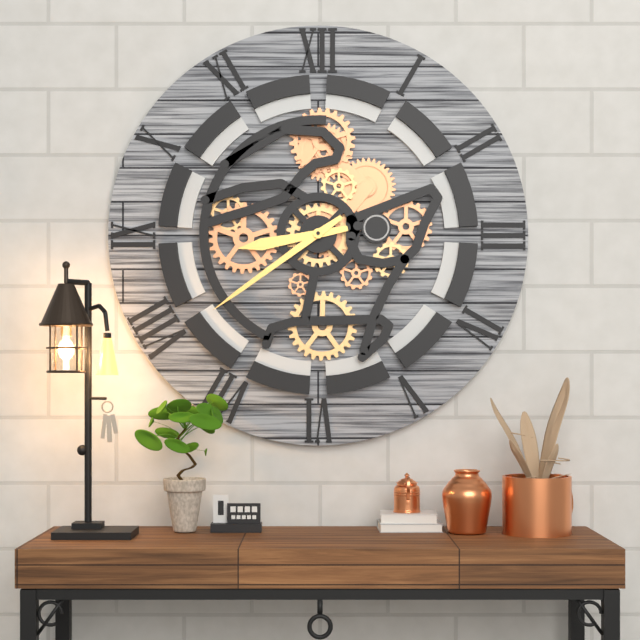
{"hour": 8, "minute": 39}
